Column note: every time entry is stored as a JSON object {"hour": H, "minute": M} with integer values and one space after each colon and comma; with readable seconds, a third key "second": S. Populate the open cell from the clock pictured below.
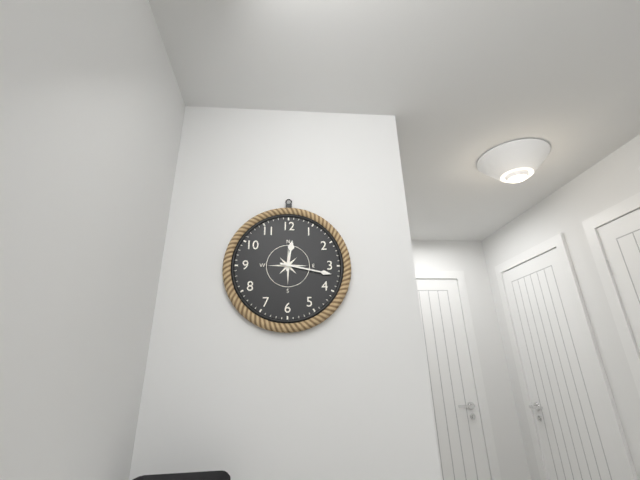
{"hour": 12, "minute": 17}
